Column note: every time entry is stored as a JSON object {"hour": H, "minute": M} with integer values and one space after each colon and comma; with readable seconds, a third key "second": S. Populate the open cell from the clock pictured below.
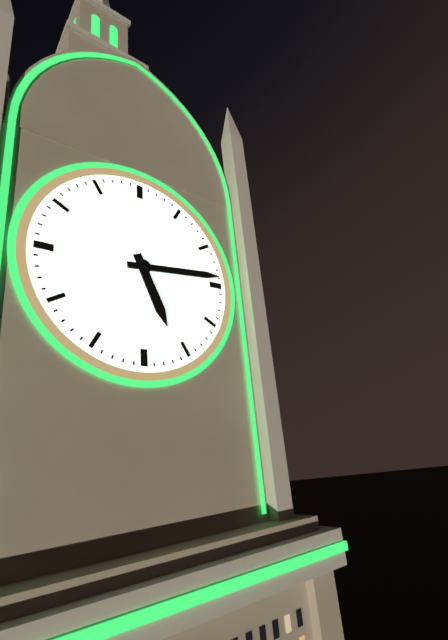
{"hour": 5, "minute": 14}
